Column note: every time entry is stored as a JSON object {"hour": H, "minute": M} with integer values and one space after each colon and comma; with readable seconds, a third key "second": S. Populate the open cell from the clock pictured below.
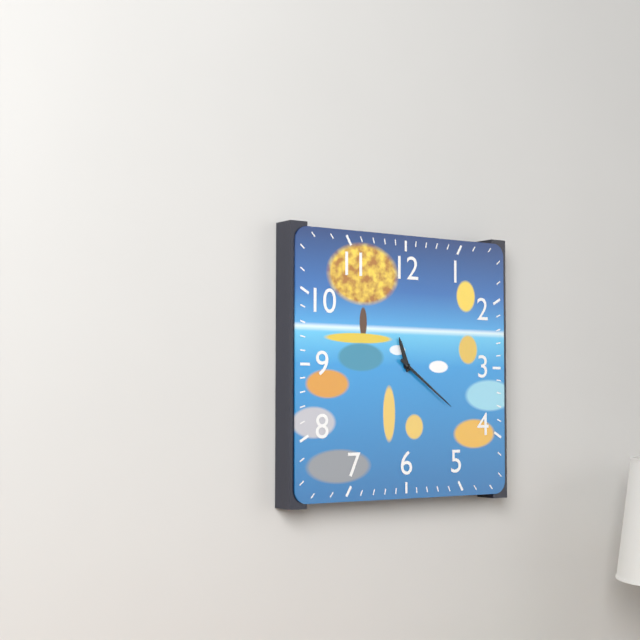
{"hour": 11, "minute": 21}
